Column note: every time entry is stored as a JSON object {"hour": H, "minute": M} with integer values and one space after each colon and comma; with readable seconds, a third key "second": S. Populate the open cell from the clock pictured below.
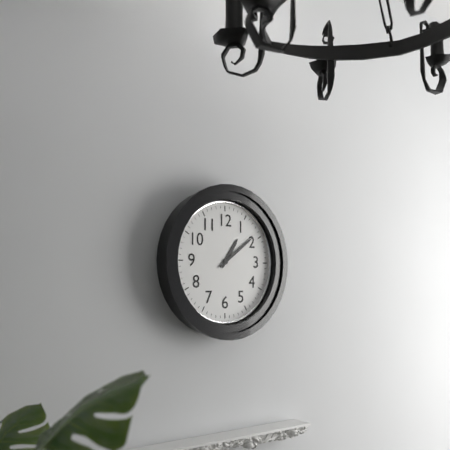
{"hour": 1, "minute": 9}
